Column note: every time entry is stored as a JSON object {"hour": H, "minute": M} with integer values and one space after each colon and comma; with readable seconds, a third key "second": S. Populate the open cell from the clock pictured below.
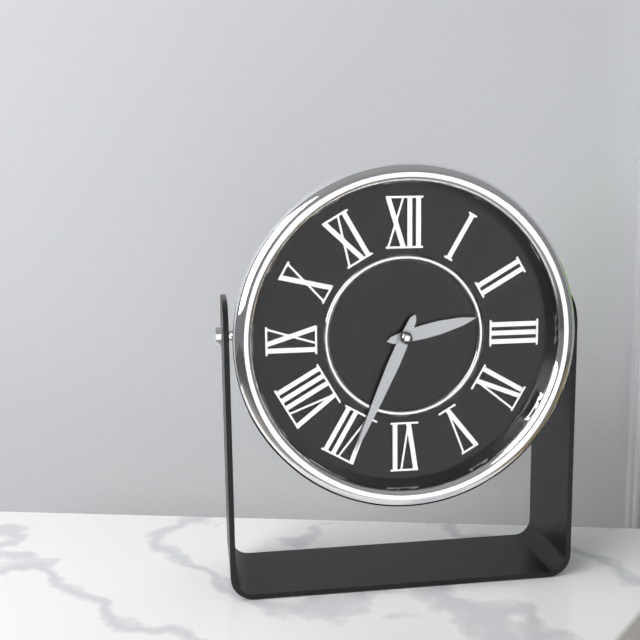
{"hour": 2, "minute": 34}
